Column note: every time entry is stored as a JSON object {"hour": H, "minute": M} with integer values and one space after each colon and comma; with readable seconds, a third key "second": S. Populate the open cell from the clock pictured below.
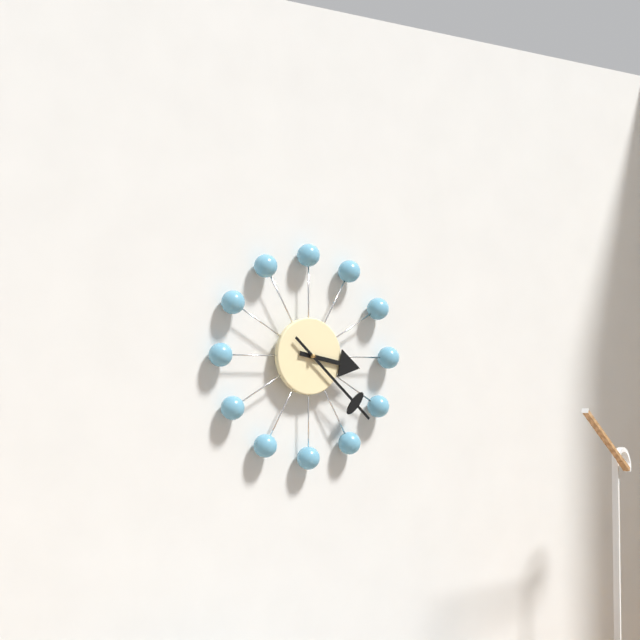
{"hour": 3, "minute": 22}
